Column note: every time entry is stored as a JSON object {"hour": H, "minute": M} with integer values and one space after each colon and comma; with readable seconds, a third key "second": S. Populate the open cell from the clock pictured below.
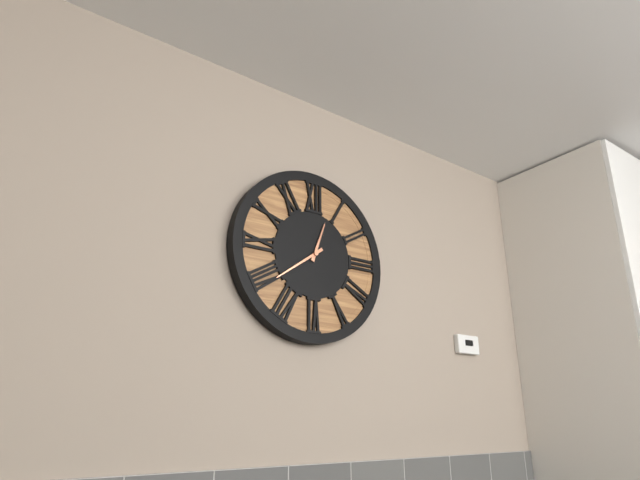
{"hour": 12, "minute": 39}
